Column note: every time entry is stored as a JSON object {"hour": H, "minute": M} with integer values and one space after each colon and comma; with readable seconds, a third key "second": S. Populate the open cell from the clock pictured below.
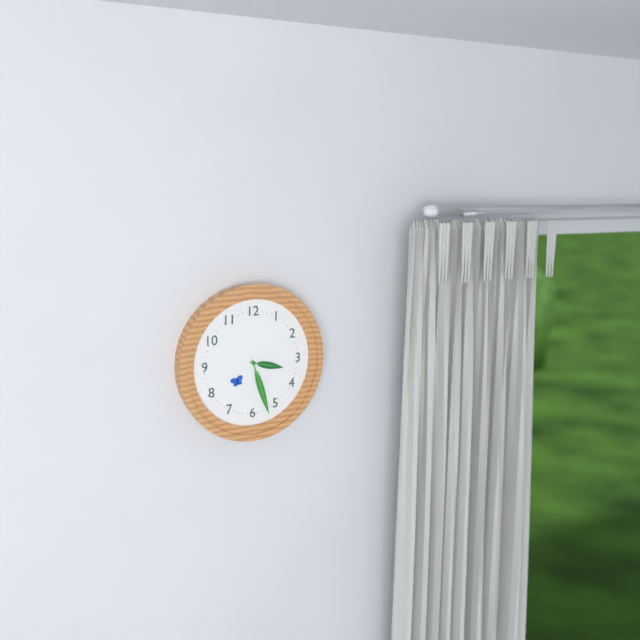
{"hour": 3, "minute": 27}
